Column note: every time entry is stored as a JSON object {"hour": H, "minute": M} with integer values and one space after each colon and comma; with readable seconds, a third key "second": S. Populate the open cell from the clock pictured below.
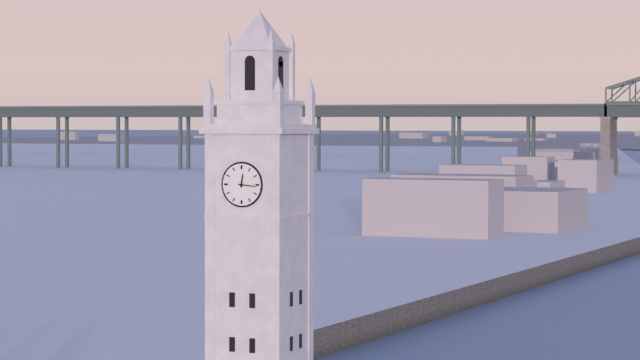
{"hour": 12, "minute": 16}
